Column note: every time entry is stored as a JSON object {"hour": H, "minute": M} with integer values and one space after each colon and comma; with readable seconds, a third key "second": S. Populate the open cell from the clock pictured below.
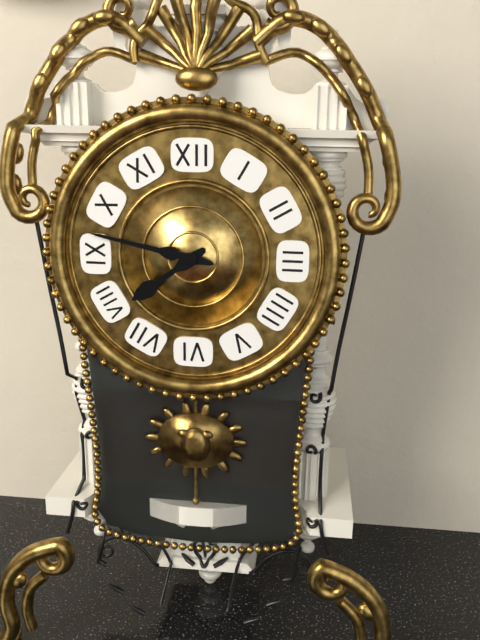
{"hour": 7, "minute": 47}
